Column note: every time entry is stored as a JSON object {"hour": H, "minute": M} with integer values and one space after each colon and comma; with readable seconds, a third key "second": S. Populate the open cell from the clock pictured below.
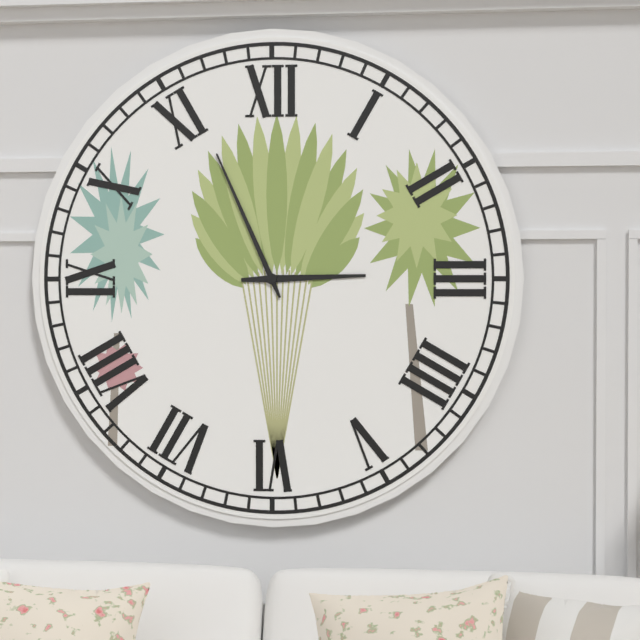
{"hour": 2, "minute": 56}
